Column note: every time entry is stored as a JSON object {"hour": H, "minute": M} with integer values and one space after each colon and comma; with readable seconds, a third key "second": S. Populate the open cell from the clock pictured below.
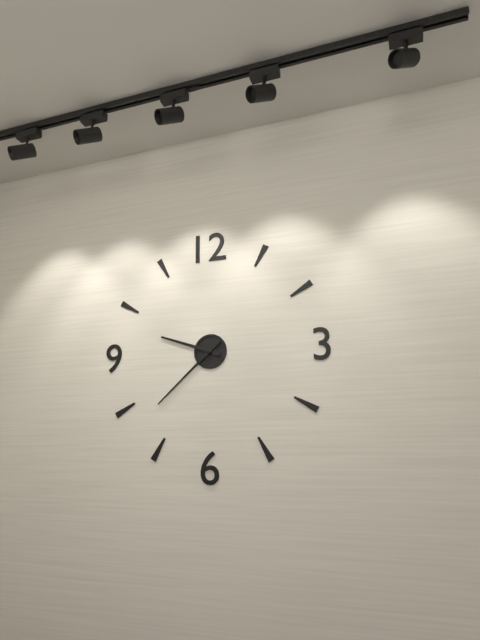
{"hour": 9, "minute": 38}
